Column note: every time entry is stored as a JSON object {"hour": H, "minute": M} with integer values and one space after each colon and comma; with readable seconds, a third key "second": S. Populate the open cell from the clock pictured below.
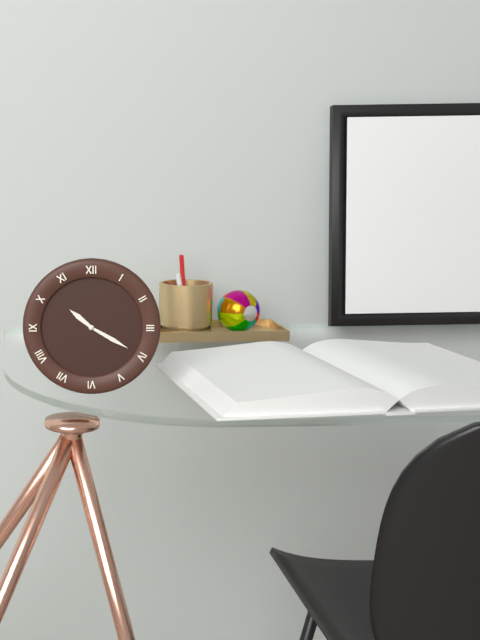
{"hour": 10, "minute": 20}
